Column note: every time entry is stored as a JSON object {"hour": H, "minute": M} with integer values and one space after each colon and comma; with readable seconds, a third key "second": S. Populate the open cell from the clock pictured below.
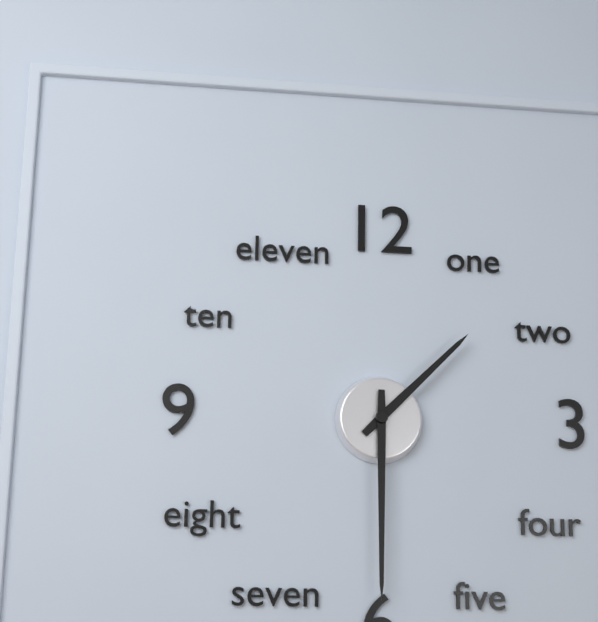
{"hour": 1, "minute": 30}
